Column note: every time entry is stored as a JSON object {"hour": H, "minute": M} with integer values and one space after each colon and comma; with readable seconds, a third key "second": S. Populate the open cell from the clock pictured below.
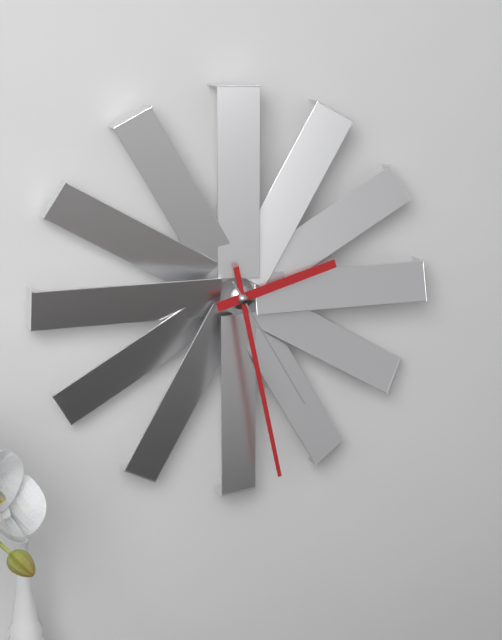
{"hour": 2, "minute": 28, "second": 25}
